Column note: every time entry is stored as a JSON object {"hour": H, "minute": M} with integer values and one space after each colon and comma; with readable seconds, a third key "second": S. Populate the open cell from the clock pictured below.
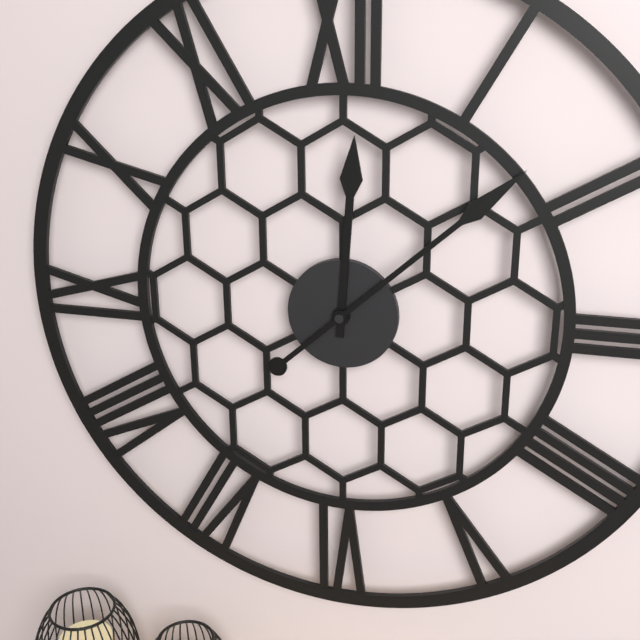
{"hour": 12, "minute": 8}
